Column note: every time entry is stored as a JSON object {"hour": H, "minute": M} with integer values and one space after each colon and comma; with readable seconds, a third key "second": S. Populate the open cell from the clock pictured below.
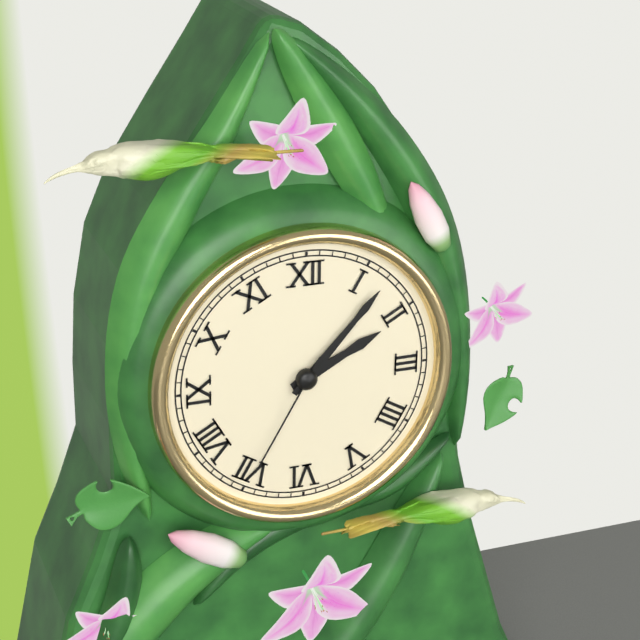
{"hour": 2, "minute": 7, "second": 35}
